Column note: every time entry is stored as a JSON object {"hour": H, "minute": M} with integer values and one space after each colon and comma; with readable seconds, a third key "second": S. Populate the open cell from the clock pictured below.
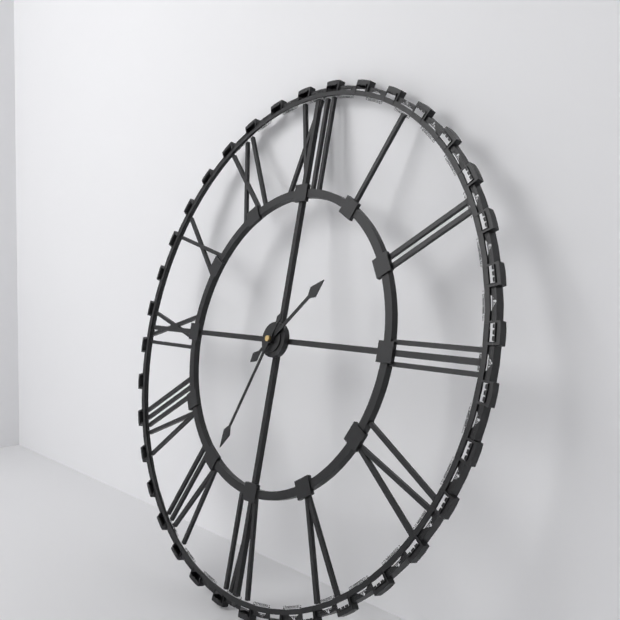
{"hour": 1, "minute": 34}
